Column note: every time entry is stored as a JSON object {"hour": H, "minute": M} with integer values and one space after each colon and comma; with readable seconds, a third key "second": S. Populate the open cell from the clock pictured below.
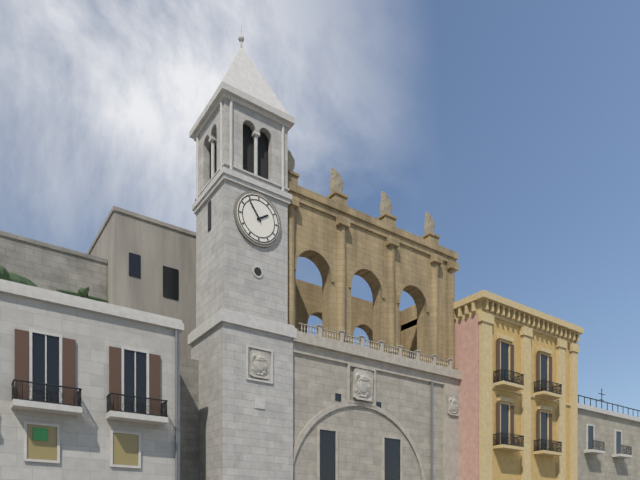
{"hour": 1, "minute": 54}
